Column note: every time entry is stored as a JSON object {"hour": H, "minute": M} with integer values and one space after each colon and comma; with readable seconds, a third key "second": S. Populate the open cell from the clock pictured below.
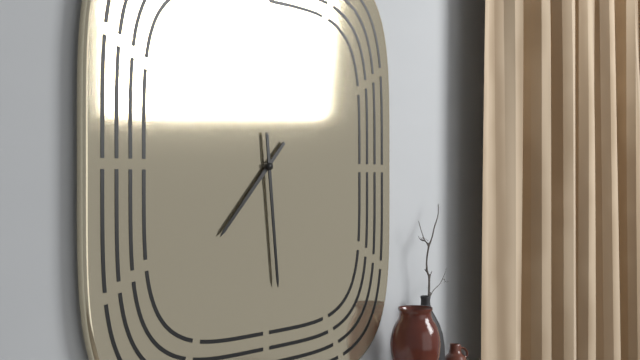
{"hour": 7, "minute": 29}
